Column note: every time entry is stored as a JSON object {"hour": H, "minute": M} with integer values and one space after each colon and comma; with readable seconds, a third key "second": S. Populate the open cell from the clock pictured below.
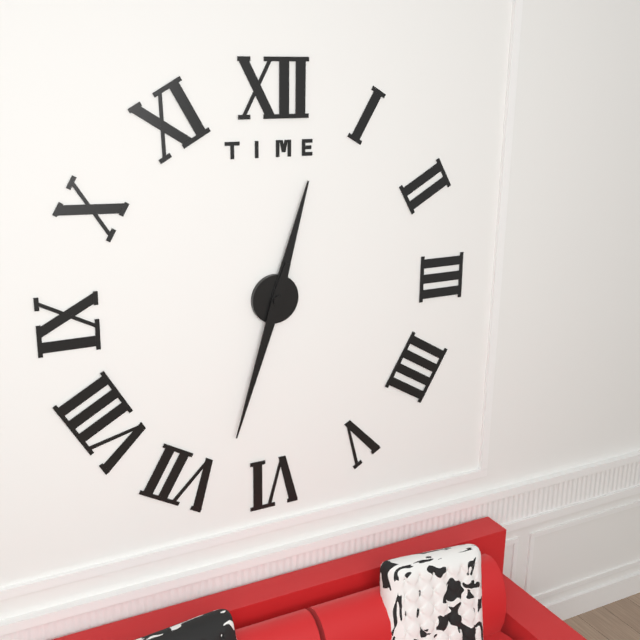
{"hour": 12, "minute": 33}
